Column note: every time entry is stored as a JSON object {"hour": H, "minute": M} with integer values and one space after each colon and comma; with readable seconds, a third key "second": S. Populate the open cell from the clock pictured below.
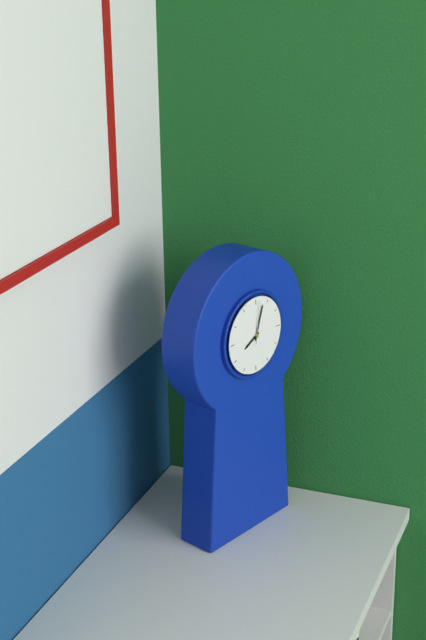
{"hour": 8, "minute": 3}
